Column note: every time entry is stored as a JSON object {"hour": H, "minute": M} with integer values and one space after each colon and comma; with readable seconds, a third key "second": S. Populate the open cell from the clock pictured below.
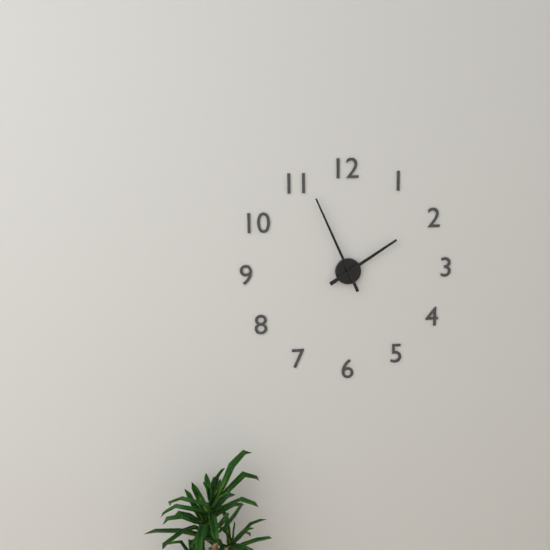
{"hour": 1, "minute": 56}
